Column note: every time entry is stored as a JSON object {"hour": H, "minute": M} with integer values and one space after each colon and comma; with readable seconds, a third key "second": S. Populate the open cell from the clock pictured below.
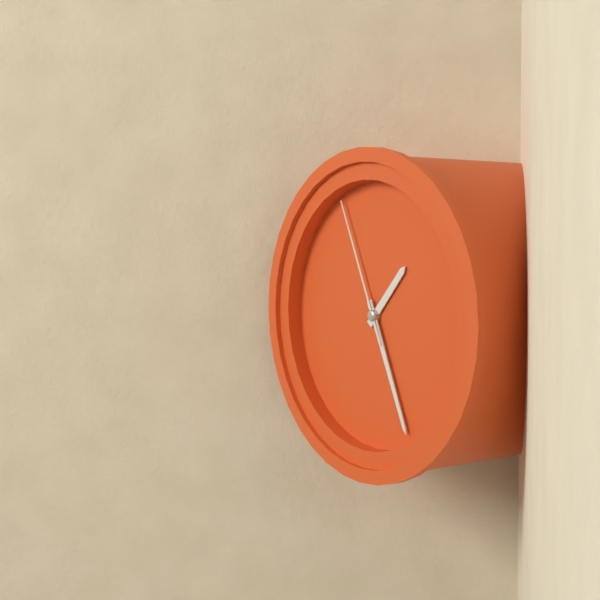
{"hour": 1, "minute": 26, "second": 56}
